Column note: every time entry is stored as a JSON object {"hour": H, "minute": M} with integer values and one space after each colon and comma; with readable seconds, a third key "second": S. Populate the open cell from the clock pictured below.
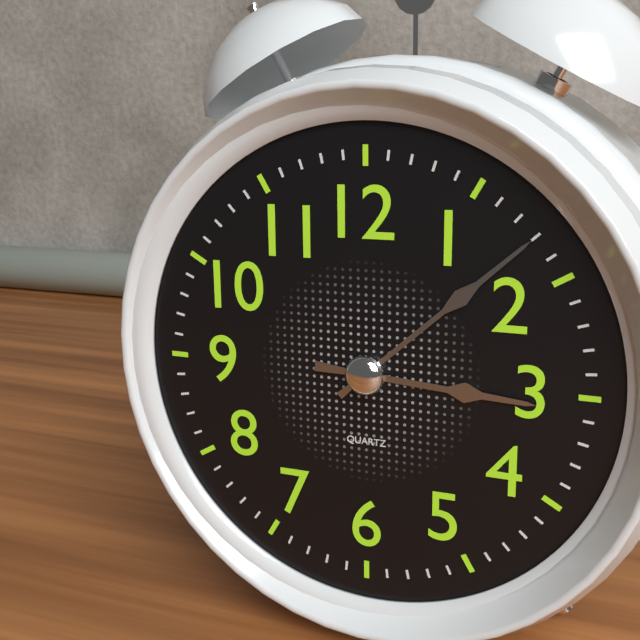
{"hour": 3, "minute": 8}
